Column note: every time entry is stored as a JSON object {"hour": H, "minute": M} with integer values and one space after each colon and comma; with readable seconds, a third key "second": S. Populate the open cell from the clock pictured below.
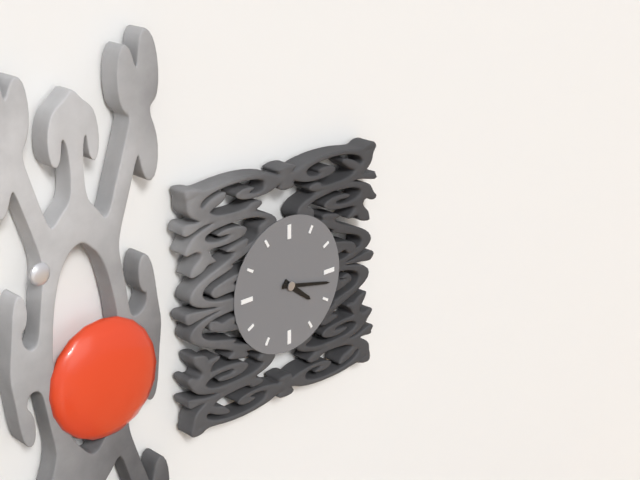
{"hour": 4, "minute": 17}
